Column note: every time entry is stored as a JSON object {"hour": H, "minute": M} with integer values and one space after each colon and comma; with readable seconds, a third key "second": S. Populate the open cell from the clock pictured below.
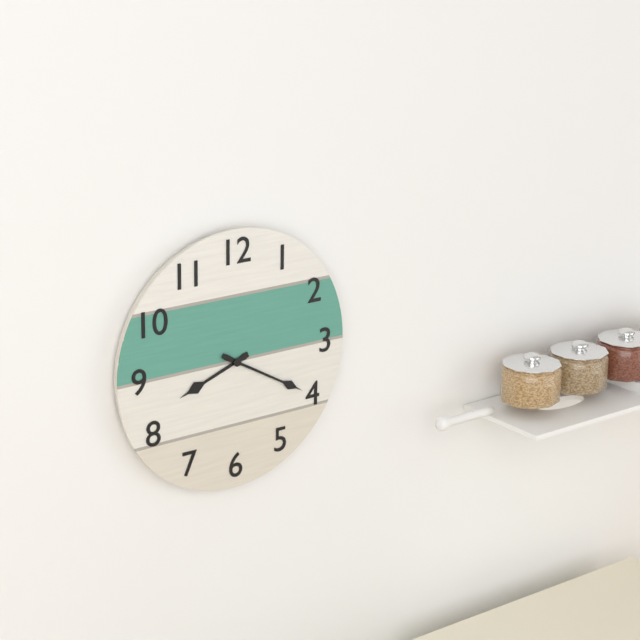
{"hour": 8, "minute": 20}
